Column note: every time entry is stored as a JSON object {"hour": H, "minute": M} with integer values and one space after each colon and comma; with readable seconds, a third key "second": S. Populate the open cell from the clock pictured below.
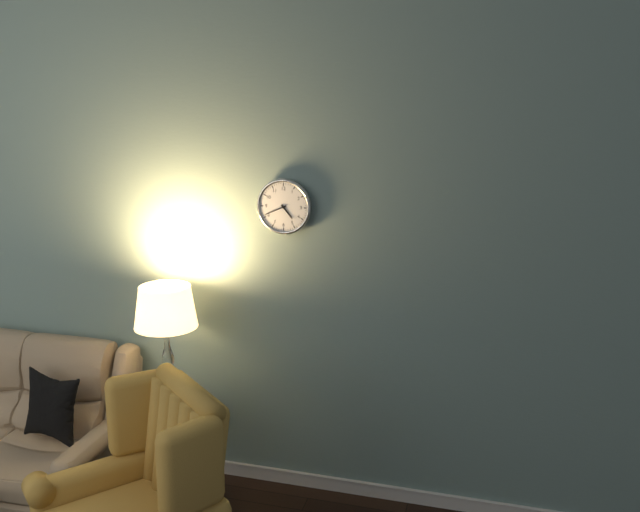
{"hour": 4, "minute": 41}
